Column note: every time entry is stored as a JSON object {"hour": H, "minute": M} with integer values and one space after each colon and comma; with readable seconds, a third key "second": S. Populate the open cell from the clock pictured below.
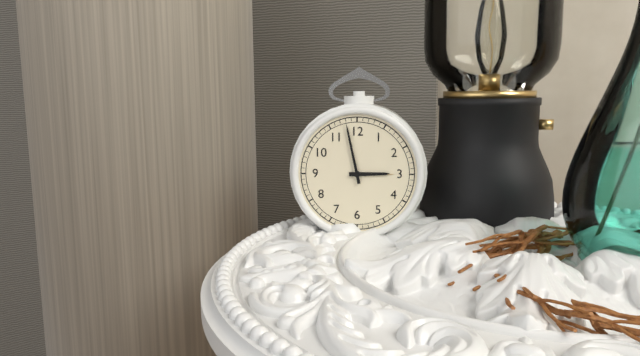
{"hour": 2, "minute": 58}
